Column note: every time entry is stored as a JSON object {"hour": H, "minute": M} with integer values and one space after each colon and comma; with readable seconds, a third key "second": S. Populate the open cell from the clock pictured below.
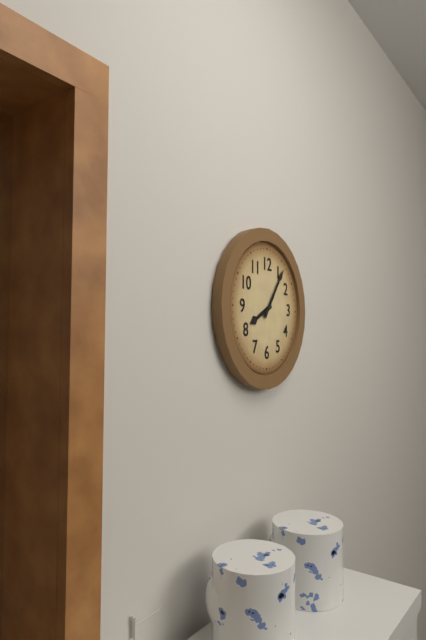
{"hour": 8, "minute": 6}
